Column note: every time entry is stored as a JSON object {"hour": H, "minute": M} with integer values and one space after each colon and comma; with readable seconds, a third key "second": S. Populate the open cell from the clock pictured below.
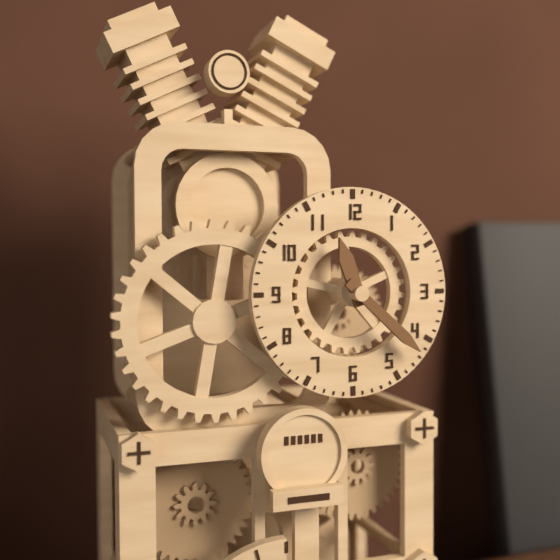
{"hour": 11, "minute": 22}
